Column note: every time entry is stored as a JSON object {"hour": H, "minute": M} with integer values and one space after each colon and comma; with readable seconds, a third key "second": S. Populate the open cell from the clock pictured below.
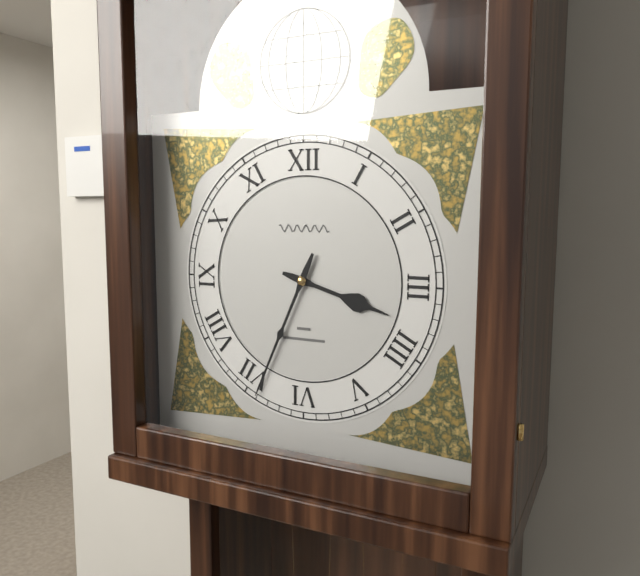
{"hour": 3, "minute": 34}
